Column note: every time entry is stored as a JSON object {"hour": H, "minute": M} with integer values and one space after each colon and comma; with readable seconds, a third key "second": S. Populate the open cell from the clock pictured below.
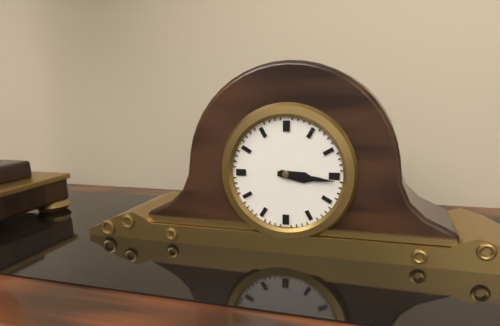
{"hour": 3, "minute": 16}
